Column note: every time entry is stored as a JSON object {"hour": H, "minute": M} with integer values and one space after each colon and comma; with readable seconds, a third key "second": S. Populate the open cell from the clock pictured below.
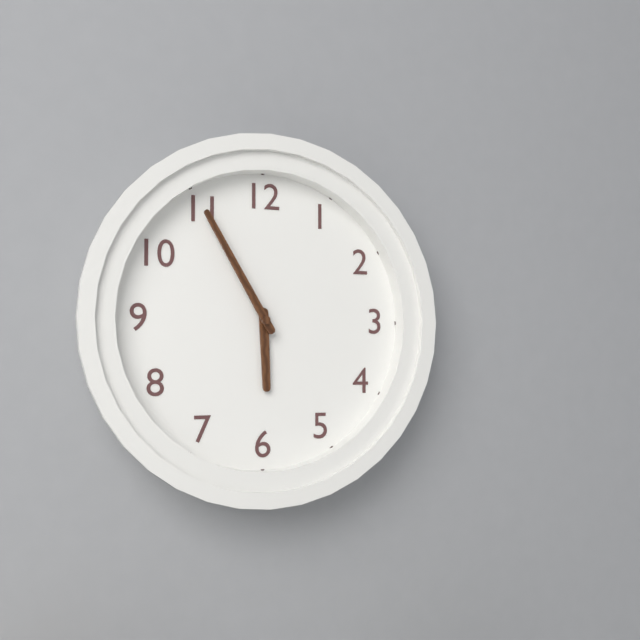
{"hour": 5, "minute": 55}
